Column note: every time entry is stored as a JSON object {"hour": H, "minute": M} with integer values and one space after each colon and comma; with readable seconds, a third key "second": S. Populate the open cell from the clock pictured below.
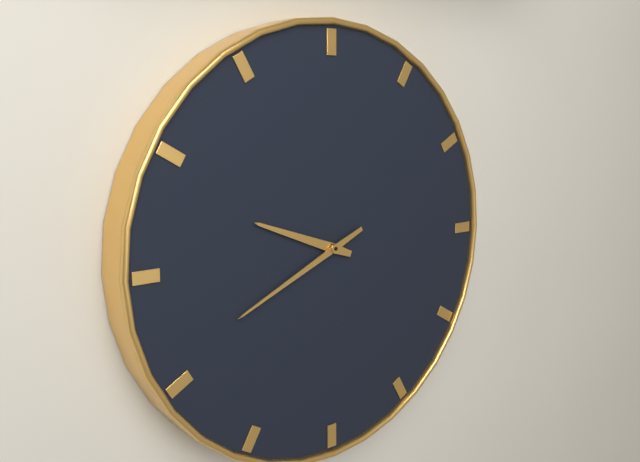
{"hour": 9, "minute": 41}
